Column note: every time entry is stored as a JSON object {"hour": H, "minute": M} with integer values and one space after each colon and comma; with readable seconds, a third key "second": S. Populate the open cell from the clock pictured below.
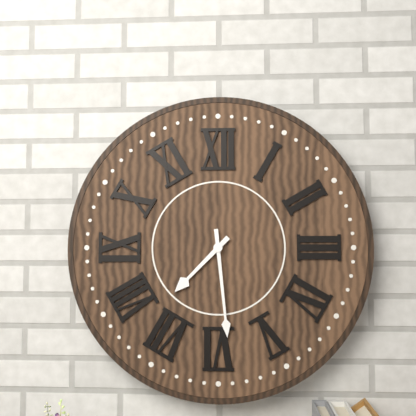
{"hour": 7, "minute": 29}
